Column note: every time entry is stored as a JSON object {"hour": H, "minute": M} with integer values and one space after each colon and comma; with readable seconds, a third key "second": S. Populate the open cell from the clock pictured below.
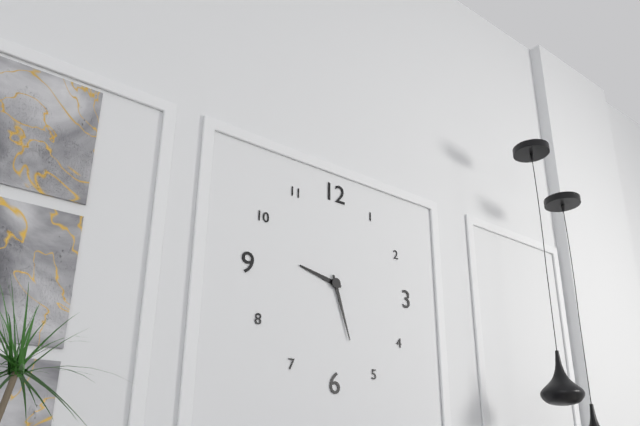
{"hour": 9, "minute": 27}
